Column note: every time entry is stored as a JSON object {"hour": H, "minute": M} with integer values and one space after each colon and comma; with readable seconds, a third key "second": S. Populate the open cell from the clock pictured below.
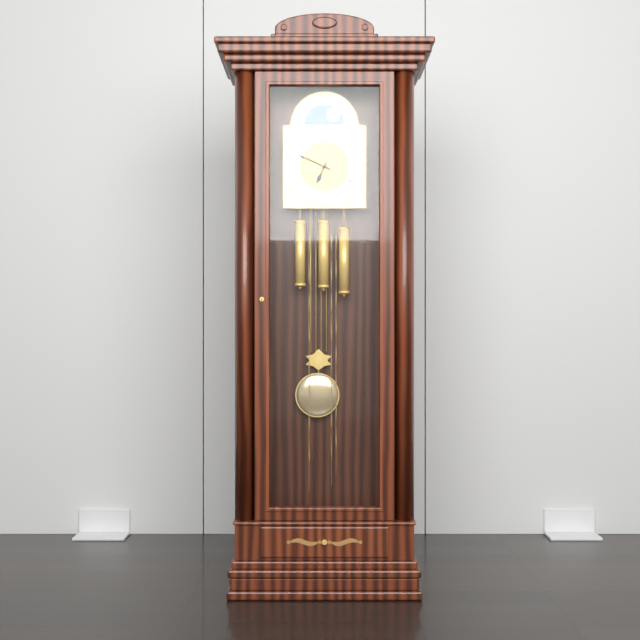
{"hour": 6, "minute": 49}
